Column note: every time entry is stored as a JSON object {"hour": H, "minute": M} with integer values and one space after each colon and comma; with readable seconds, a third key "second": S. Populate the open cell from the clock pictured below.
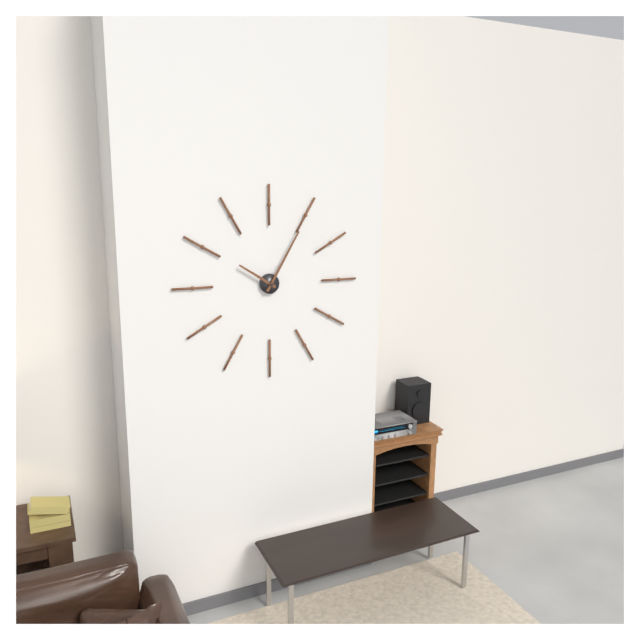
{"hour": 10, "minute": 5}
